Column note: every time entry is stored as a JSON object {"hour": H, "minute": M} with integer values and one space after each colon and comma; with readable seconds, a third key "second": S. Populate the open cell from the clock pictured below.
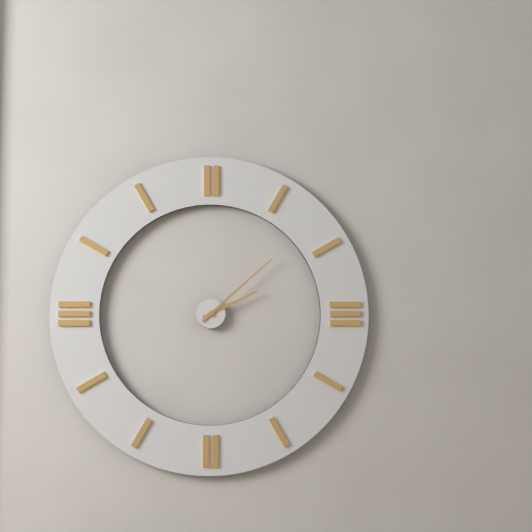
{"hour": 2, "minute": 8}
